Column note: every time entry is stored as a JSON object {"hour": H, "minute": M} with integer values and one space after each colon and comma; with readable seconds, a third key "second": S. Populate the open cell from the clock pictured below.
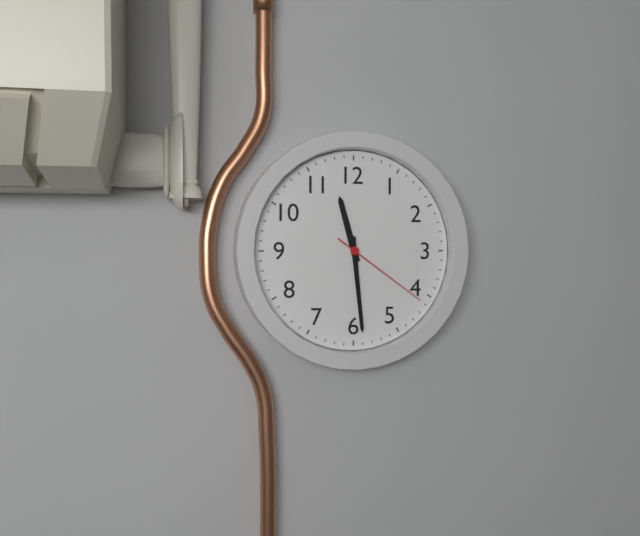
{"hour": 11, "minute": 29, "second": 21}
